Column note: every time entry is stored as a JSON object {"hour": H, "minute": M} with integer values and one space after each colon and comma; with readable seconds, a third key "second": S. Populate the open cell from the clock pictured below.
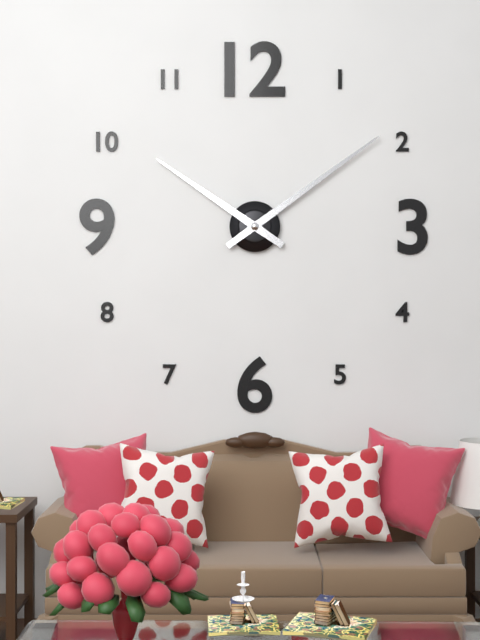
{"hour": 10, "minute": 9}
